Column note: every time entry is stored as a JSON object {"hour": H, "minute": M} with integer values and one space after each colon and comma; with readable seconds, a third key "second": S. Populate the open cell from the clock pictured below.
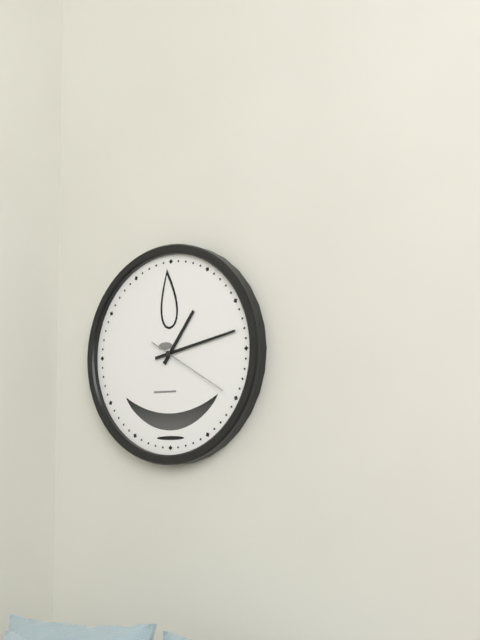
{"hour": 1, "minute": 13, "second": 20}
